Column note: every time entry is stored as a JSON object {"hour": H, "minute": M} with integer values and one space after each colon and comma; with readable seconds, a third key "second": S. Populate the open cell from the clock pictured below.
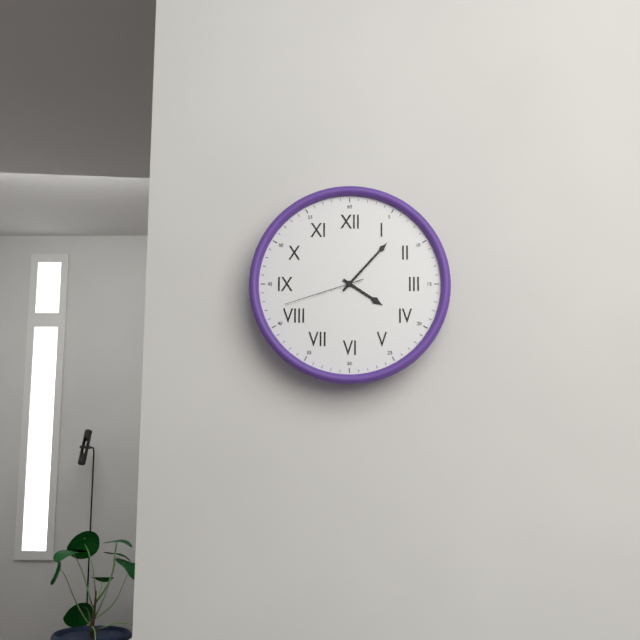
{"hour": 4, "minute": 7, "second": 42}
